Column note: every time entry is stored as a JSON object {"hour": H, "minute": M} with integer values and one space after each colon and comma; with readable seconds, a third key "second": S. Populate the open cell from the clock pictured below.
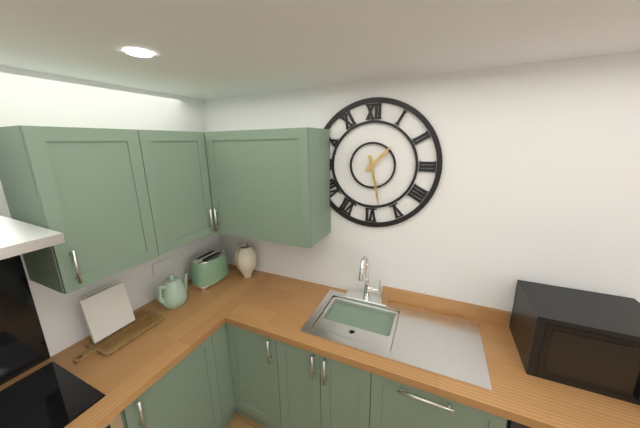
{"hour": 1, "minute": 28}
